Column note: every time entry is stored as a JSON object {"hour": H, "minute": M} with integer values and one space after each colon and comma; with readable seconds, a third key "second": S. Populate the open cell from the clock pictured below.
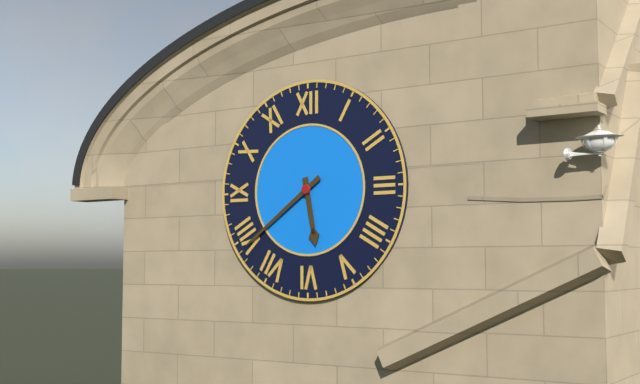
{"hour": 5, "minute": 39}
